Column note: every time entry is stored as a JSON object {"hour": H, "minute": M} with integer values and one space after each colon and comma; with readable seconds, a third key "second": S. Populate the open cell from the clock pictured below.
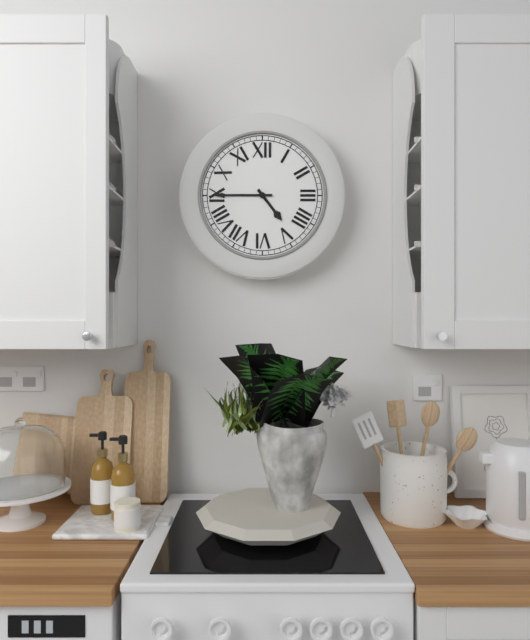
{"hour": 4, "minute": 45}
